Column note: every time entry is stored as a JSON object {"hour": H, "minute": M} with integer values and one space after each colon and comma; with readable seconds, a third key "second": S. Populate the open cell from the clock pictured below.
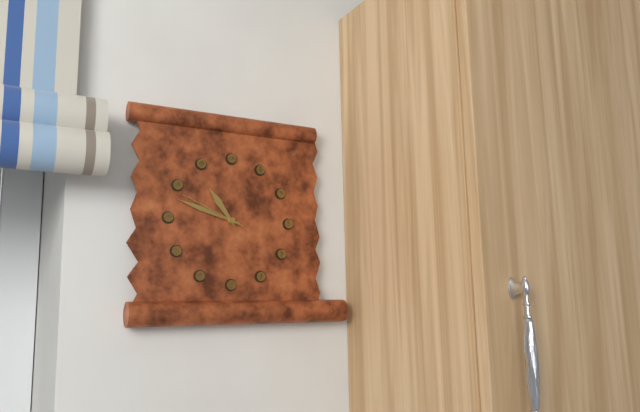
{"hour": 10, "minute": 48, "second": 49}
